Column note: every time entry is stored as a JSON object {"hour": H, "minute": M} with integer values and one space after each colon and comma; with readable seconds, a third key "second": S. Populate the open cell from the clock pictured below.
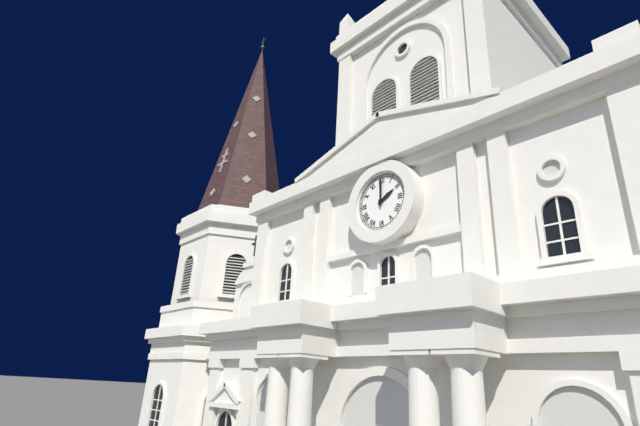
{"hour": 2, "minute": 0}
